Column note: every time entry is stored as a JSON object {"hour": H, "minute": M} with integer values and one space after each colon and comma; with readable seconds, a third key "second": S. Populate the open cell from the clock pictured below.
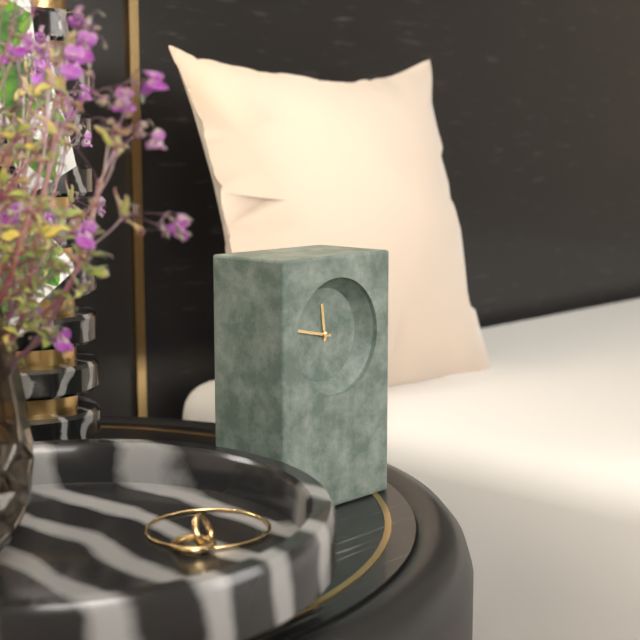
{"hour": 11, "minute": 47}
